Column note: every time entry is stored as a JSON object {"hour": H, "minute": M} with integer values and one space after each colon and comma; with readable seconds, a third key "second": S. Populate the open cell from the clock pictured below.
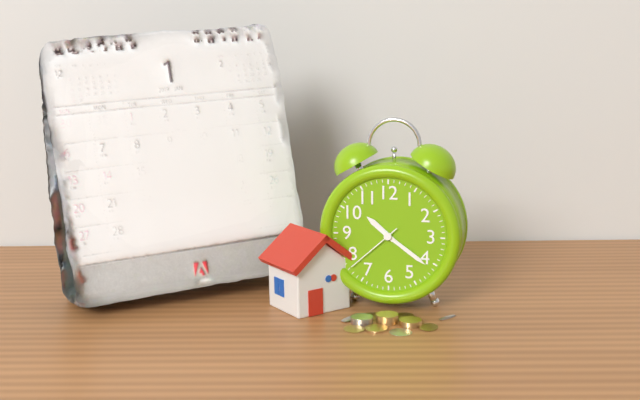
{"hour": 10, "minute": 21, "second": 38}
